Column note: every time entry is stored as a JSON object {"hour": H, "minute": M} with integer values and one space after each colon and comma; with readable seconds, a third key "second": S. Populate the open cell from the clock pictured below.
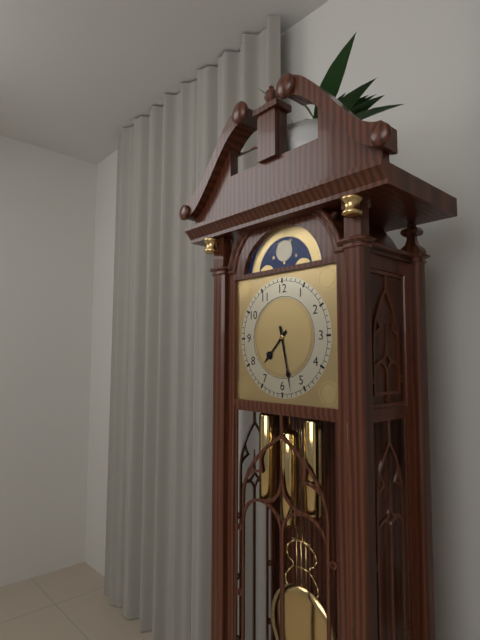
{"hour": 7, "minute": 28}
